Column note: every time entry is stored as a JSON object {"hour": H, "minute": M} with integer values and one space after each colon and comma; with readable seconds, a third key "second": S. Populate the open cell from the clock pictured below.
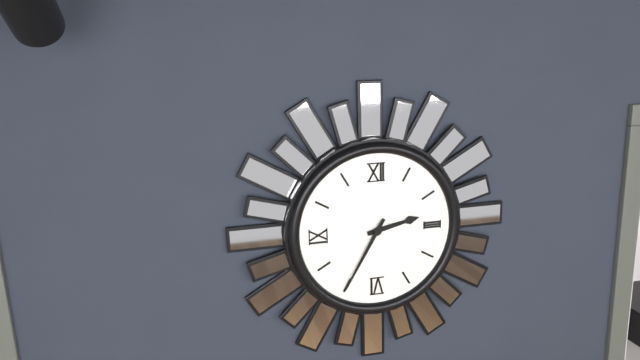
{"hour": 2, "minute": 35}
